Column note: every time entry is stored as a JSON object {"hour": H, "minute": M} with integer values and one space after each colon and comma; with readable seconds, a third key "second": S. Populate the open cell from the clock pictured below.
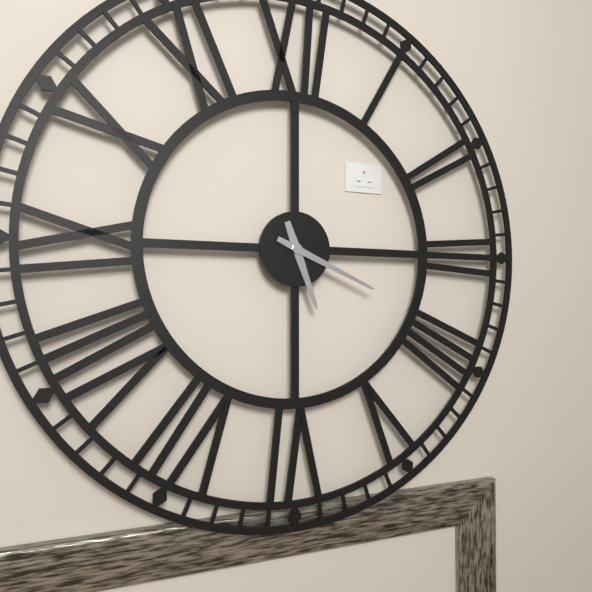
{"hour": 5, "minute": 19}
